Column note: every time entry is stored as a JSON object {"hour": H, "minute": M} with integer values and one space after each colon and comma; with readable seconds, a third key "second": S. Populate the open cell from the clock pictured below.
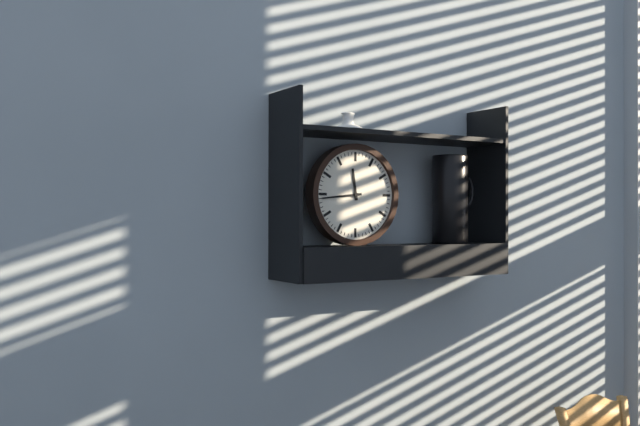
{"hour": 11, "minute": 44}
